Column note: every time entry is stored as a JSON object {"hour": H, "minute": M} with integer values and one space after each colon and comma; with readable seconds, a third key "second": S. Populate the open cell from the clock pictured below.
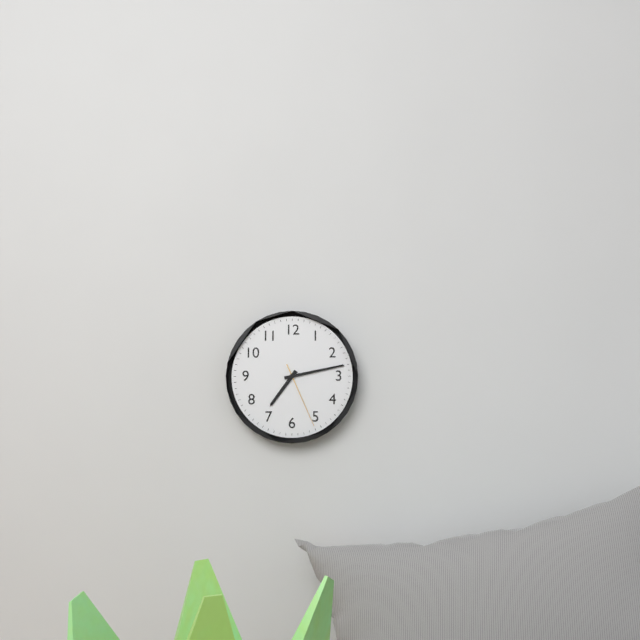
{"hour": 7, "minute": 13, "second": 26}
